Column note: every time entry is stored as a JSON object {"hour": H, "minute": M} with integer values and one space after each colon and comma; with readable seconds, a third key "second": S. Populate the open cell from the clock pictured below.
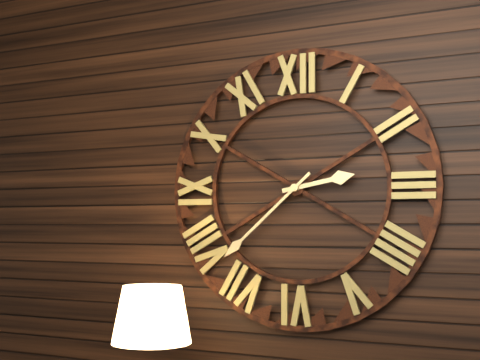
{"hour": 2, "minute": 38}
